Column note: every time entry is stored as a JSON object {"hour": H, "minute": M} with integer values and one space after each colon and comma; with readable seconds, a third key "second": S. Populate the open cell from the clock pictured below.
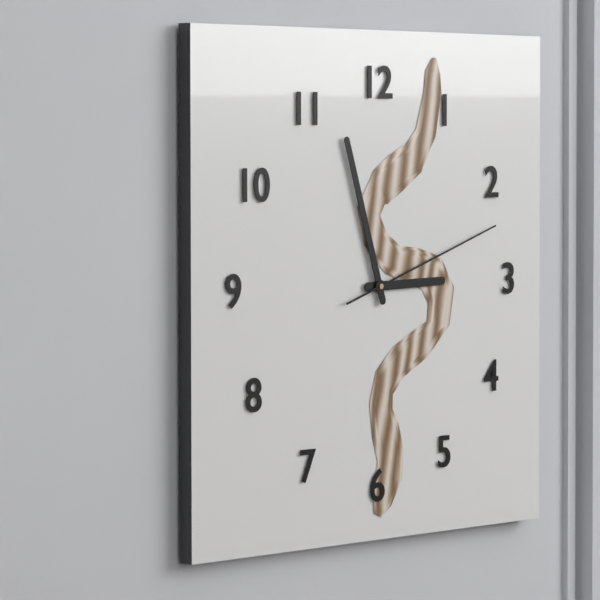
{"hour": 2, "minute": 57, "second": 12}
